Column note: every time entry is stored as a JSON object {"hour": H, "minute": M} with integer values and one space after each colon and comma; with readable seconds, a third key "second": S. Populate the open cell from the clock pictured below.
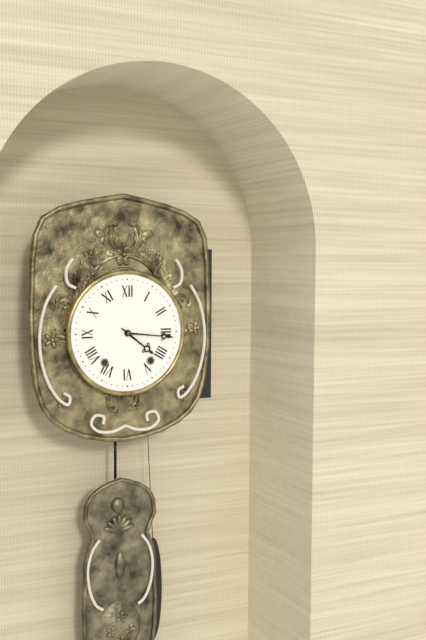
{"hour": 4, "minute": 16}
